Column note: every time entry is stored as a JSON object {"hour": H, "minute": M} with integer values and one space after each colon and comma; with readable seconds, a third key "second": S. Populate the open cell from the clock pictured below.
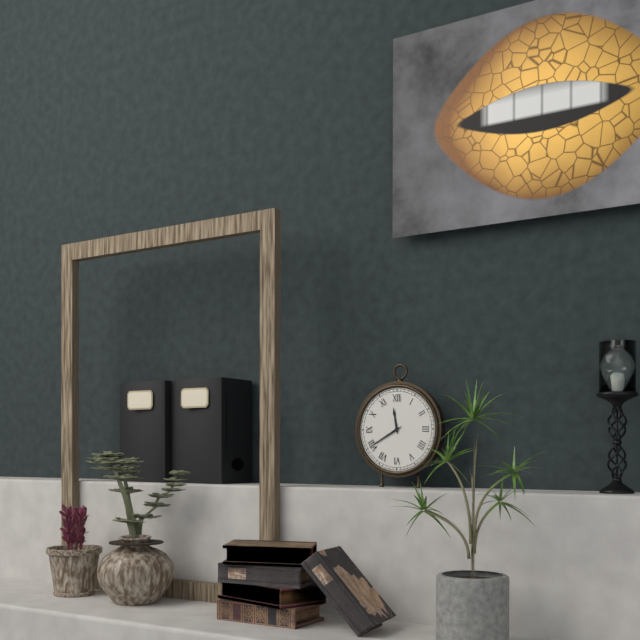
{"hour": 11, "minute": 40}
